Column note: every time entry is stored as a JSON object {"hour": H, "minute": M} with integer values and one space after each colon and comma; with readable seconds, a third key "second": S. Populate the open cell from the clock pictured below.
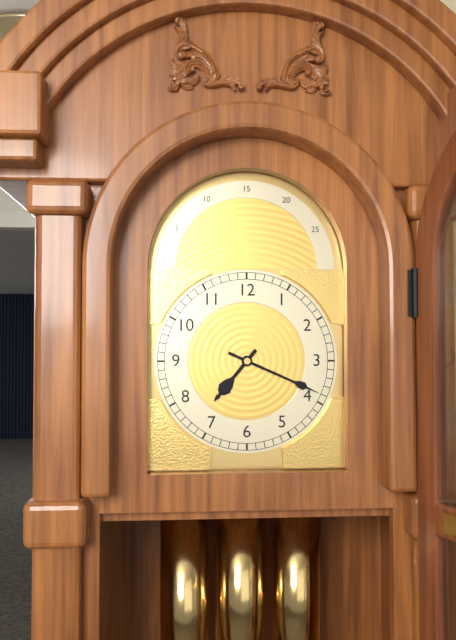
{"hour": 7, "minute": 19}
